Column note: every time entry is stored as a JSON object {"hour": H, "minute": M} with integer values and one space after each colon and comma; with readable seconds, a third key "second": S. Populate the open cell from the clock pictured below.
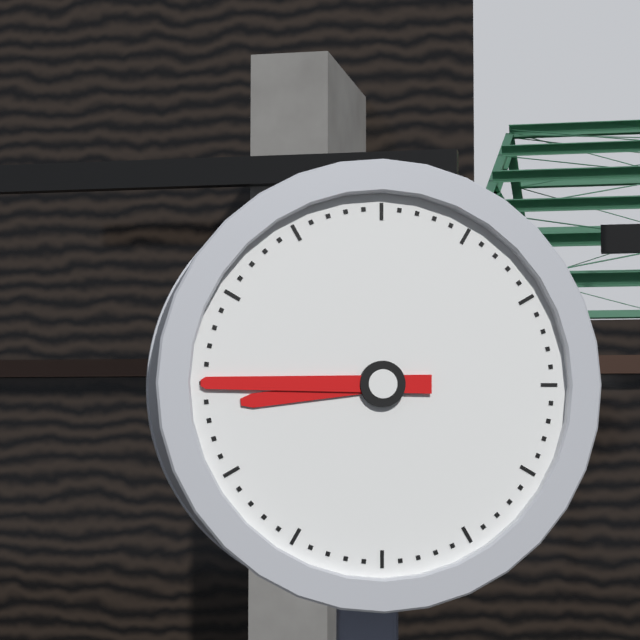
{"hour": 8, "minute": 45}
